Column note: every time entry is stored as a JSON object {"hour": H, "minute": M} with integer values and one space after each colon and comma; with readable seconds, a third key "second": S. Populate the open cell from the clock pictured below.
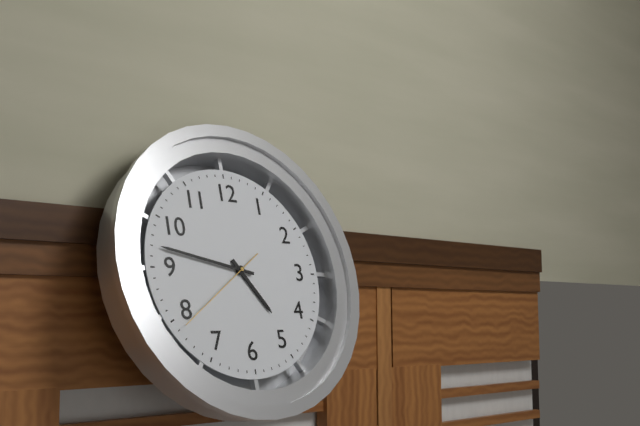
{"hour": 4, "minute": 47, "second": 39}
